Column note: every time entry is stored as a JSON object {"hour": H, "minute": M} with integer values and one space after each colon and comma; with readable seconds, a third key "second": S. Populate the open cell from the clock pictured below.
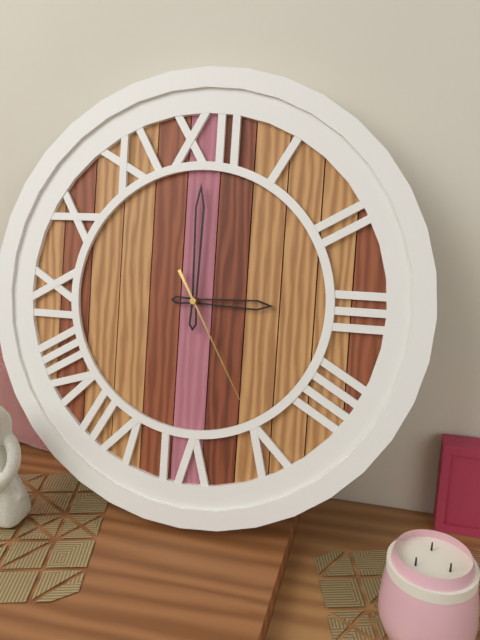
{"hour": 3, "minute": 0, "second": 25}
